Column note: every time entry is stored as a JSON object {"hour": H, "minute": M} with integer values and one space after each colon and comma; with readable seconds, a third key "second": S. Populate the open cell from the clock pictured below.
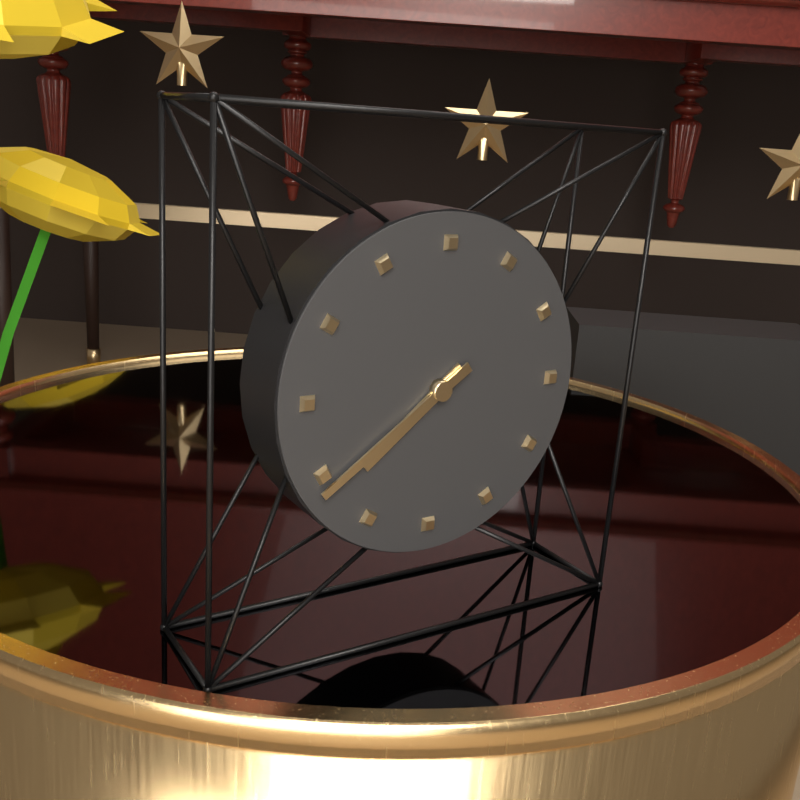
{"hour": 7, "minute": 39}
